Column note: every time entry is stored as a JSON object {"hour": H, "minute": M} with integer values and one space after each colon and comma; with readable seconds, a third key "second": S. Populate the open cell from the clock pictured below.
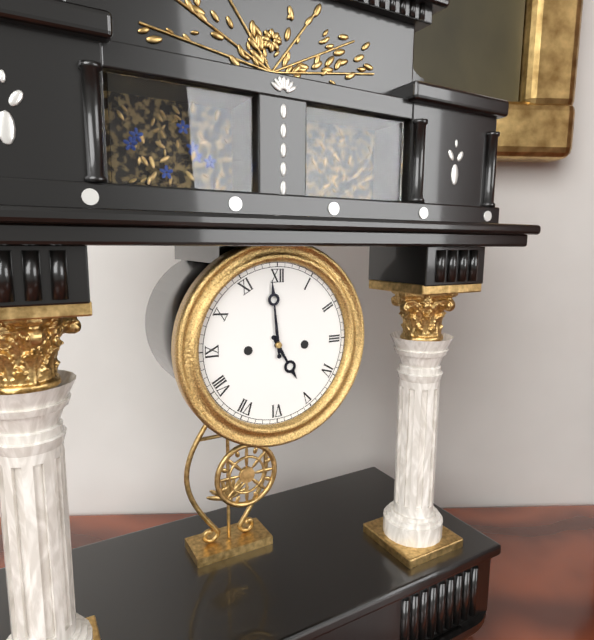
{"hour": 4, "minute": 59}
